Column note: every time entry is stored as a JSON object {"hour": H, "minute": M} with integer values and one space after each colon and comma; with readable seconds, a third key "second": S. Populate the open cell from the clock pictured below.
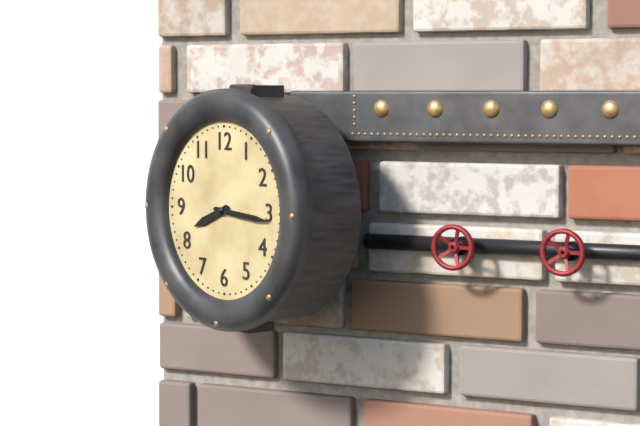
{"hour": 8, "minute": 16}
